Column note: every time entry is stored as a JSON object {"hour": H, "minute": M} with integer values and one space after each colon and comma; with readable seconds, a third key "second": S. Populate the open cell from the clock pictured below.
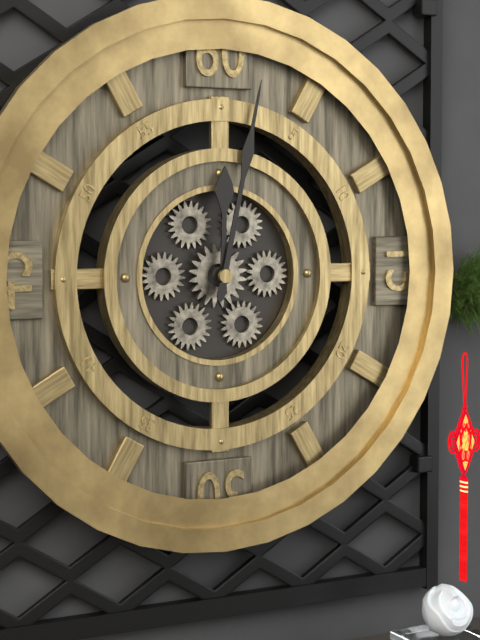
{"hour": 12, "minute": 2}
